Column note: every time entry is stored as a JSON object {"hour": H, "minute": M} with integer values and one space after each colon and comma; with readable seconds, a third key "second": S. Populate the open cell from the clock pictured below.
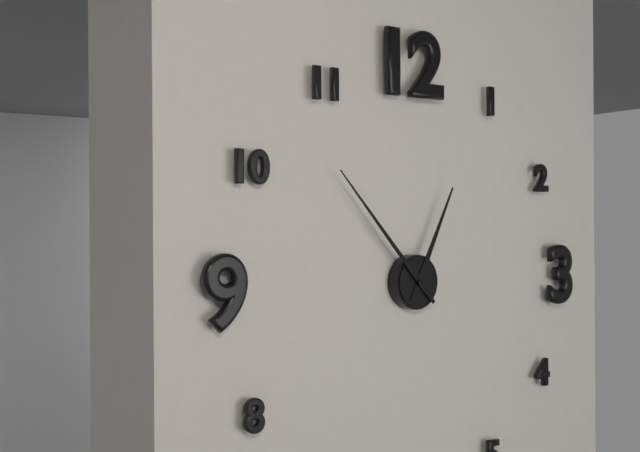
{"hour": 12, "minute": 53}
